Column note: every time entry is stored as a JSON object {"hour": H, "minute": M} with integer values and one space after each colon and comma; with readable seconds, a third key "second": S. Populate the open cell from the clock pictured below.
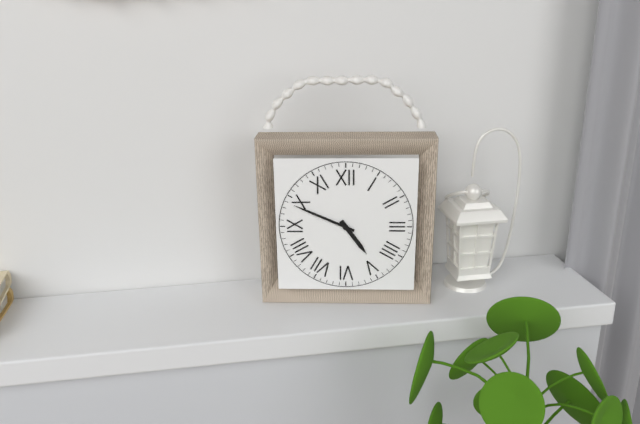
{"hour": 4, "minute": 49}
